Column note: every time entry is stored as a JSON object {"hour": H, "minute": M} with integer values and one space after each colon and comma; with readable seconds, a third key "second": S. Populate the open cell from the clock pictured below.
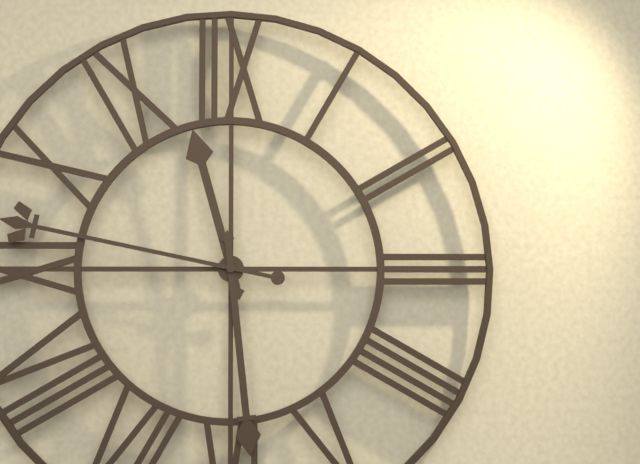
{"hour": 11, "minute": 29}
